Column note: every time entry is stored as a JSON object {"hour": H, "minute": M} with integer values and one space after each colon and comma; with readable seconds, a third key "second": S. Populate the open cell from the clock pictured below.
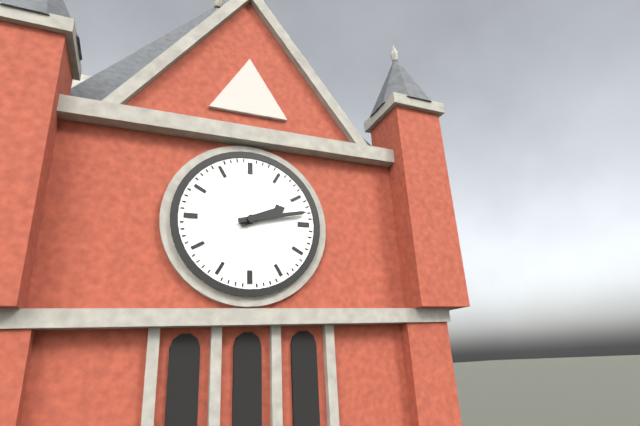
{"hour": 2, "minute": 13}
